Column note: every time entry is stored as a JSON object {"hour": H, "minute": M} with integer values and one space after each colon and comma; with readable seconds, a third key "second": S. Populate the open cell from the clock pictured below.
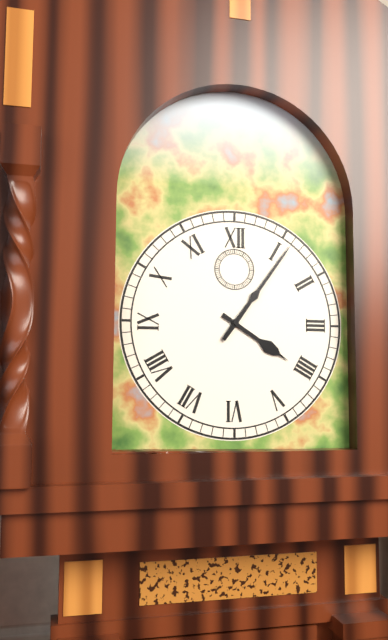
{"hour": 4, "minute": 6}
